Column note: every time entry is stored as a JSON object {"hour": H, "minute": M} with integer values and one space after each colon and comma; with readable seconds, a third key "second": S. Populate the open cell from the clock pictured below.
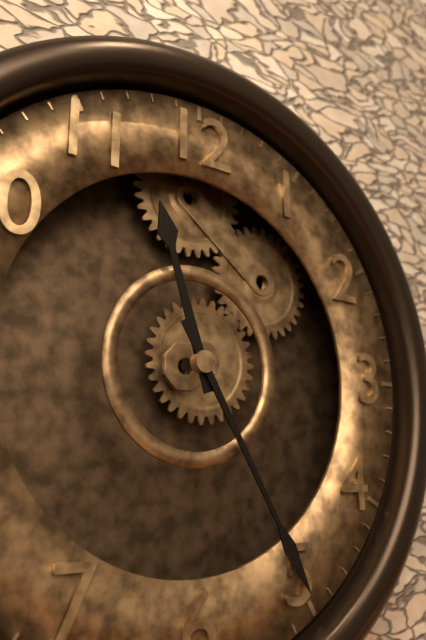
{"hour": 11, "minute": 25}
